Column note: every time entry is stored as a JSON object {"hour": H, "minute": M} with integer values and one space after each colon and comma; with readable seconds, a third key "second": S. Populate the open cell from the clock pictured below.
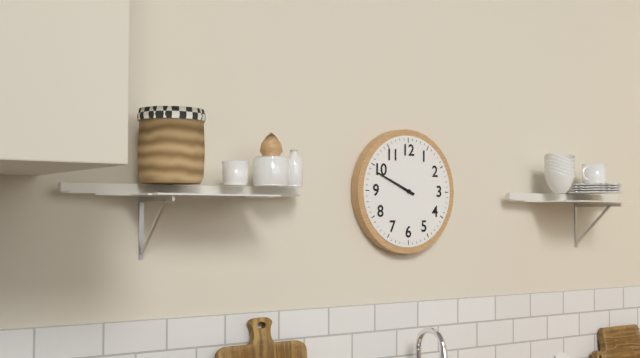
{"hour": 9, "minute": 49}
